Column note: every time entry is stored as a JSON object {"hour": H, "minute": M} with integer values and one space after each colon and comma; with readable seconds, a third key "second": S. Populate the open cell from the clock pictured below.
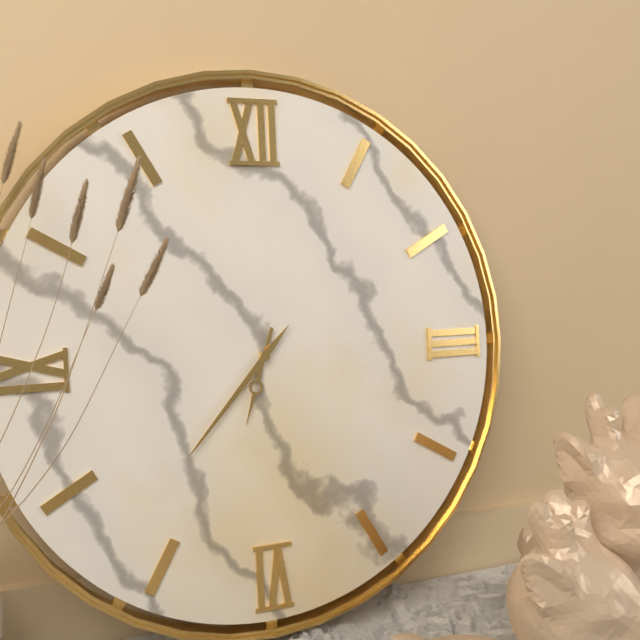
{"hour": 6, "minute": 37}
